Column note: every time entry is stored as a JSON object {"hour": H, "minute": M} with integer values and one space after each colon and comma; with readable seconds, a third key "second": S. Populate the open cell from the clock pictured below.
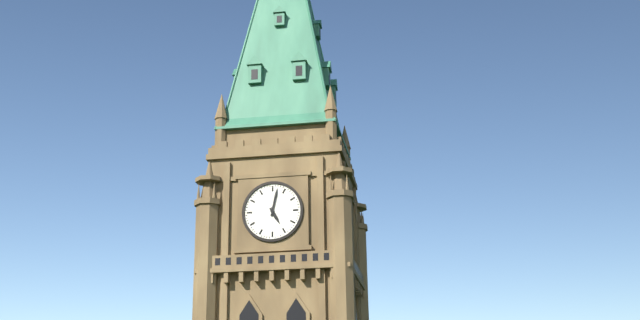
{"hour": 5, "minute": 2}
